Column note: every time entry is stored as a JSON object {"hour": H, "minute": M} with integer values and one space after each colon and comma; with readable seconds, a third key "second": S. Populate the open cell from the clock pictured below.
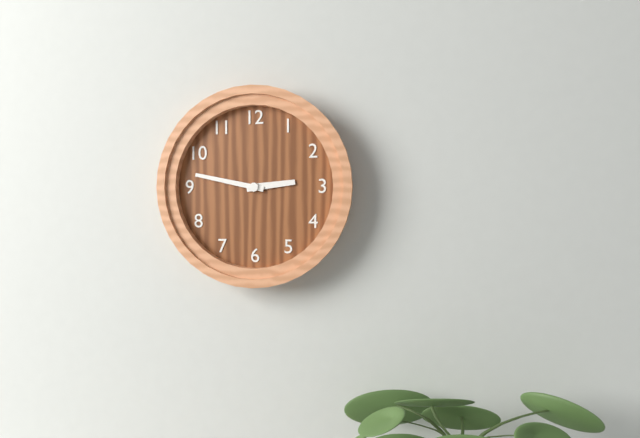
{"hour": 2, "minute": 47}
